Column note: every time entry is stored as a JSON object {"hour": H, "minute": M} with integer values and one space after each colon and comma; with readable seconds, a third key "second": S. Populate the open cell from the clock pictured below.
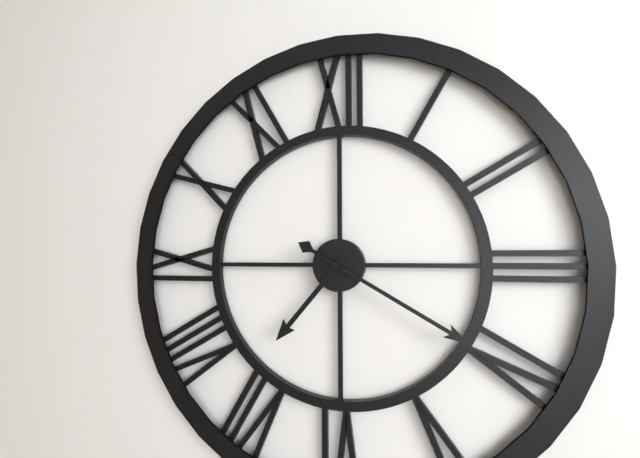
{"hour": 7, "minute": 20}
